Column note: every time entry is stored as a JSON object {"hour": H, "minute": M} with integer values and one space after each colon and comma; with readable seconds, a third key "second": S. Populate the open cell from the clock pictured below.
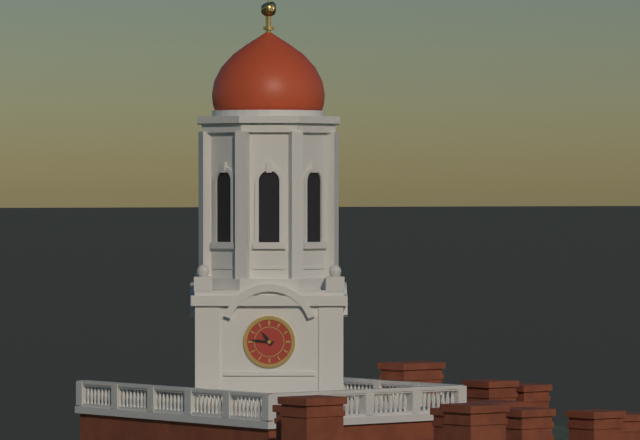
{"hour": 10, "minute": 46}
